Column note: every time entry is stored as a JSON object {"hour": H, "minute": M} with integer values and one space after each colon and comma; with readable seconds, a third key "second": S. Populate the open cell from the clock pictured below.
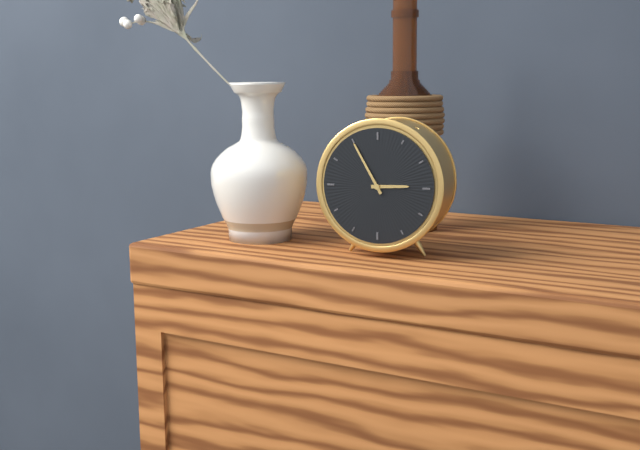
{"hour": 2, "minute": 55}
